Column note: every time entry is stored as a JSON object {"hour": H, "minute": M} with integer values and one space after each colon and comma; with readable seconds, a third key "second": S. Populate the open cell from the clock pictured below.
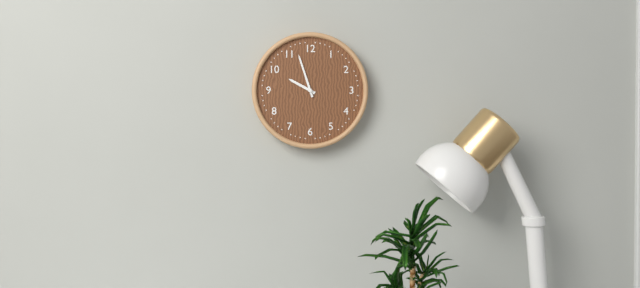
{"hour": 9, "minute": 57}
